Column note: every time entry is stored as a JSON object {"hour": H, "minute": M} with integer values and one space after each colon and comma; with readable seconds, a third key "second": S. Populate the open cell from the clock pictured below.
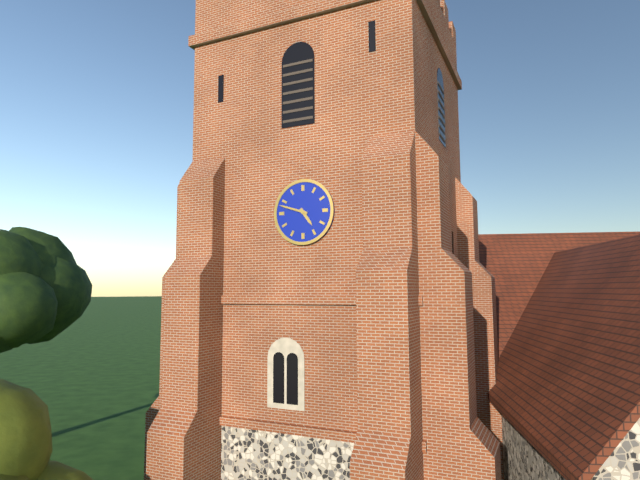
{"hour": 4, "minute": 48}
